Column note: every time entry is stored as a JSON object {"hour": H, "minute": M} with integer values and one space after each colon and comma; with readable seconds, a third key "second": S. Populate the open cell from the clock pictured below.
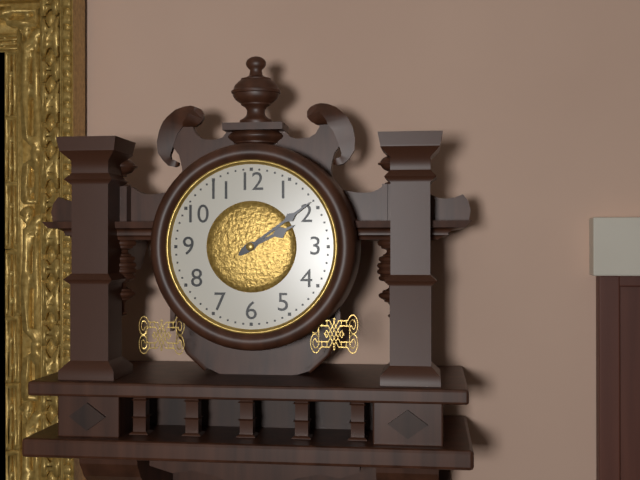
{"hour": 2, "minute": 9}
